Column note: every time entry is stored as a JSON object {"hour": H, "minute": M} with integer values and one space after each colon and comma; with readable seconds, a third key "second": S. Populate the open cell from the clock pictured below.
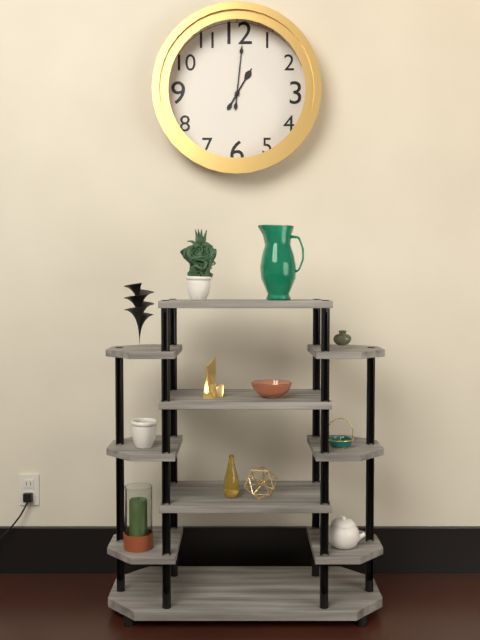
{"hour": 1, "minute": 1}
